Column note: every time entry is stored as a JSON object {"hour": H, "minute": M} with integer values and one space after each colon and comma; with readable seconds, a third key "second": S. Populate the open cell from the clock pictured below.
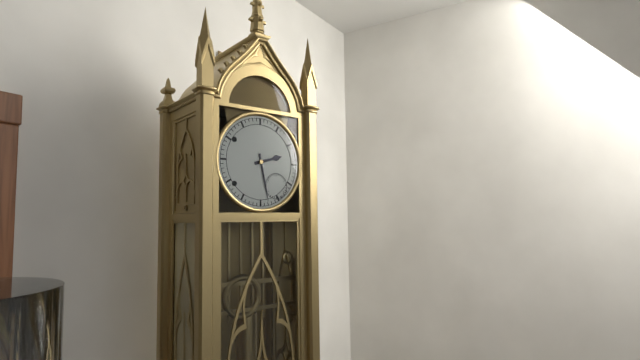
{"hour": 2, "minute": 28}
